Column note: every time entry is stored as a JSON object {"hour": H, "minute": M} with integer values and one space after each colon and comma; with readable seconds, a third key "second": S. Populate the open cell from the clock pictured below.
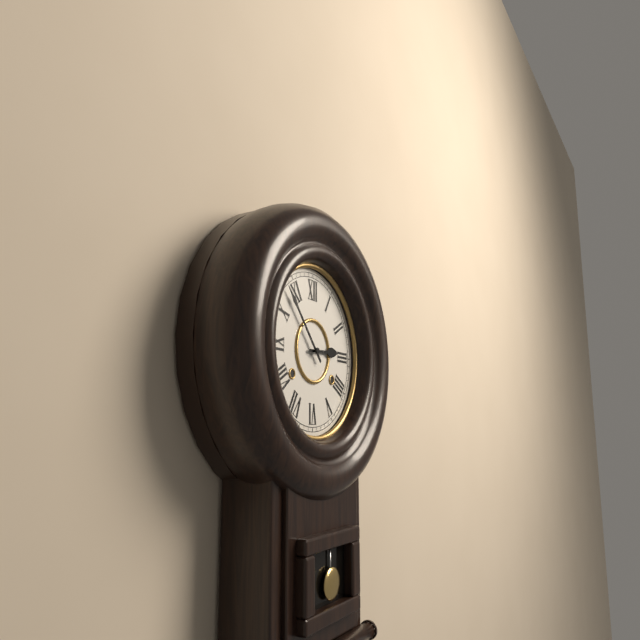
{"hour": 2, "minute": 53}
